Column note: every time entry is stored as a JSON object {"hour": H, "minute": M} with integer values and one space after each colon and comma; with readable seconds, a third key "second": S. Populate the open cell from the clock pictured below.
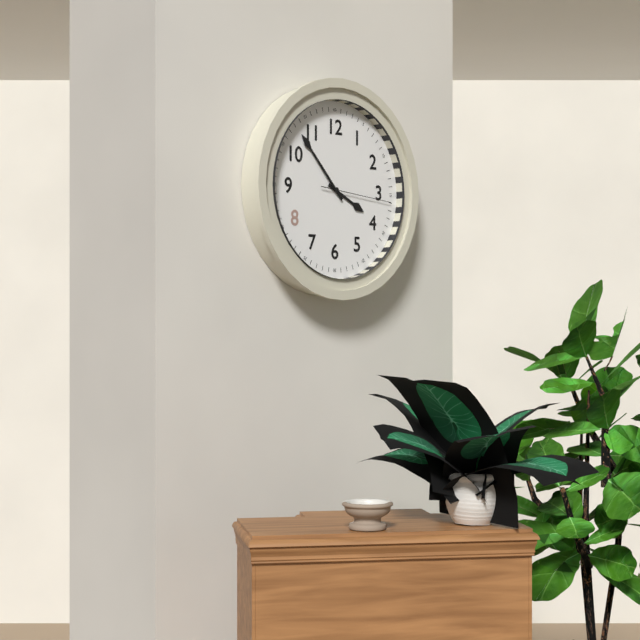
{"hour": 3, "minute": 53, "second": 16}
